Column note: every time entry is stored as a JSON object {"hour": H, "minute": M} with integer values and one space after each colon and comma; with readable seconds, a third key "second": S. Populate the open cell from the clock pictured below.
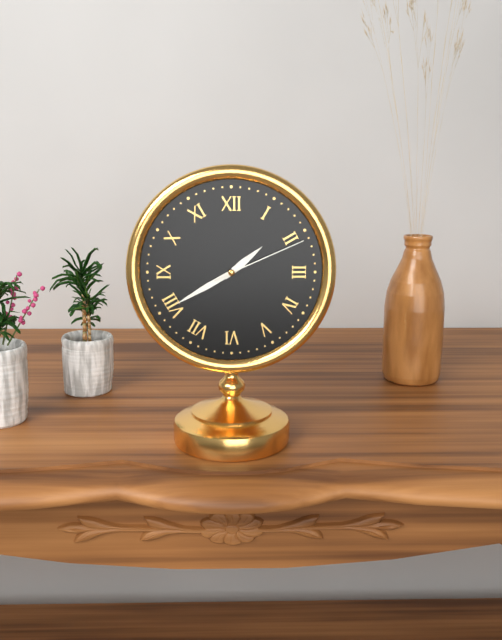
{"hour": 1, "minute": 40, "second": 11}
